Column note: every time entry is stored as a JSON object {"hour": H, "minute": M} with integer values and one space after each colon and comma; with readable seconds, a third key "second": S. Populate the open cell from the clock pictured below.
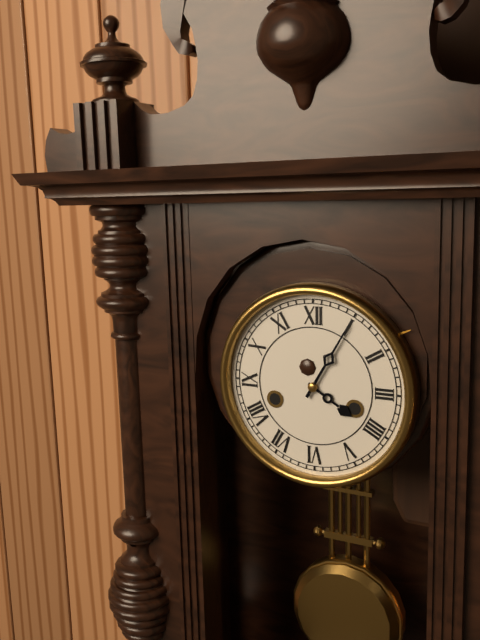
{"hour": 4, "minute": 5}
